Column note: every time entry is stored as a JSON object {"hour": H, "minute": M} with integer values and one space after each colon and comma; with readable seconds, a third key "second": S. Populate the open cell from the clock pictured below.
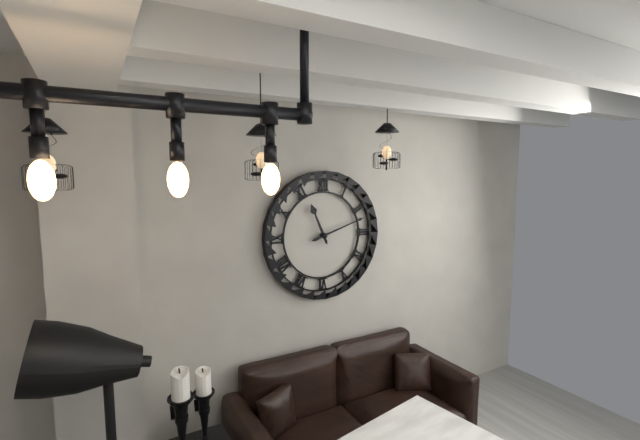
{"hour": 11, "minute": 12}
